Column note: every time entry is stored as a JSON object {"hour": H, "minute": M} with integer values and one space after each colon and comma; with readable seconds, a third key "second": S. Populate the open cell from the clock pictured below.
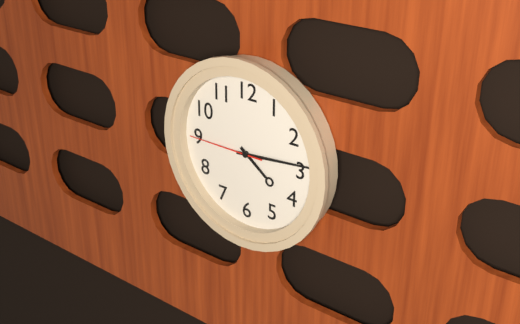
{"hour": 4, "minute": 14, "second": 45}
